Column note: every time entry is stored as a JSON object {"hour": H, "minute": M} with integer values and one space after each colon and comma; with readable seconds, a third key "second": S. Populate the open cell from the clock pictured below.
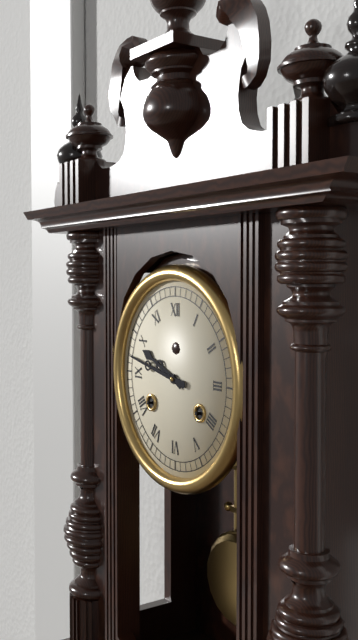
{"hour": 9, "minute": 47}
